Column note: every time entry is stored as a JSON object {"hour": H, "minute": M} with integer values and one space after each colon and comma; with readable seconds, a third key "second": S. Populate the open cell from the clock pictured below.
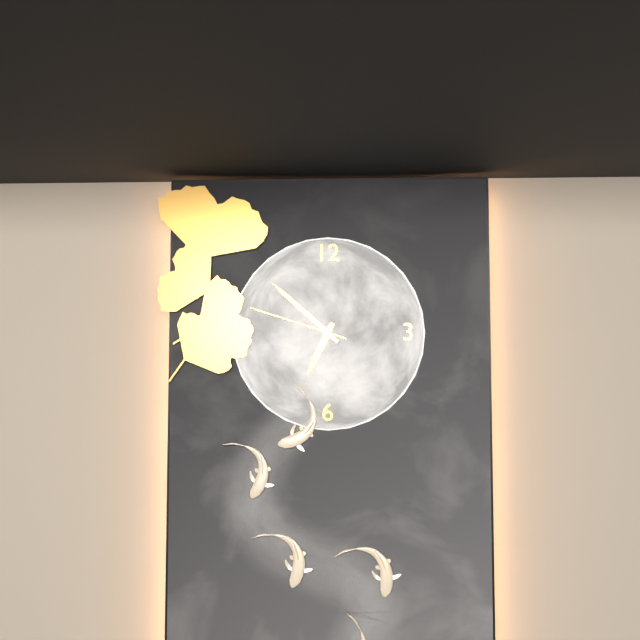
{"hour": 6, "minute": 52, "second": 48}
